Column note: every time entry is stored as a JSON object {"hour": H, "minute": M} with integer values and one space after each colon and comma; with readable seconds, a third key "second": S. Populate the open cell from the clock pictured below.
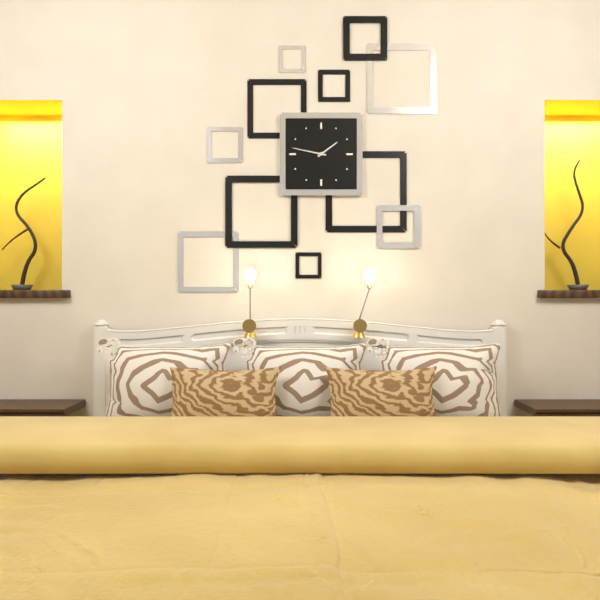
{"hour": 1, "minute": 47}
